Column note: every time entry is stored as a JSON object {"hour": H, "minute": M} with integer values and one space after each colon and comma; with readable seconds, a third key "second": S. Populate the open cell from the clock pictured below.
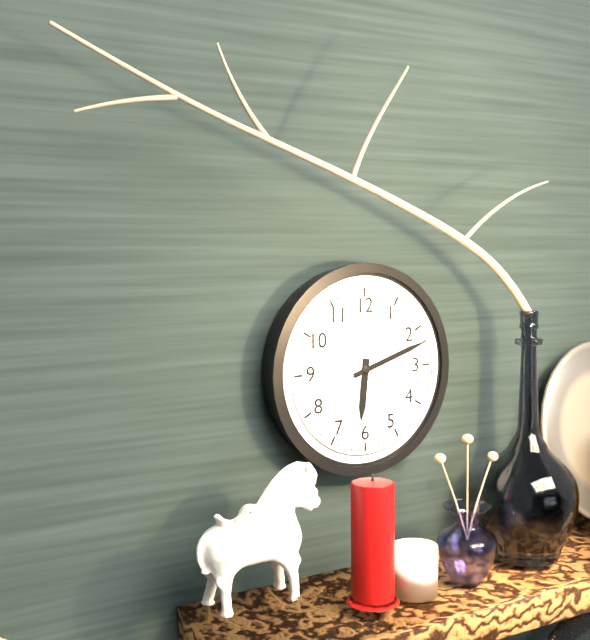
{"hour": 6, "minute": 12}
